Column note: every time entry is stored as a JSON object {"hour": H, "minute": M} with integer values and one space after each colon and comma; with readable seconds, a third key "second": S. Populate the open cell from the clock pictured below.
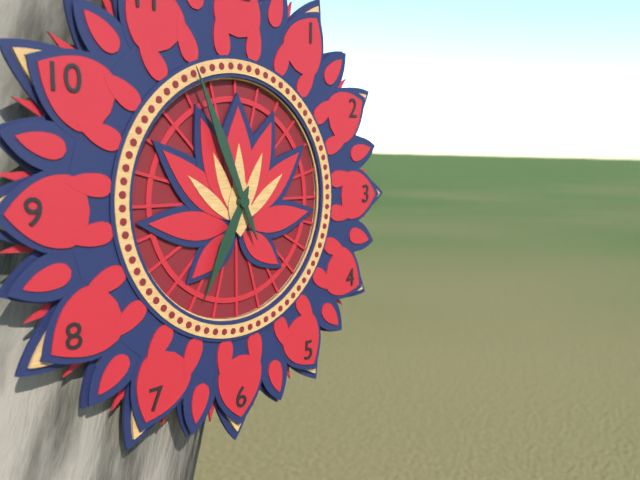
{"hour": 6, "minute": 56}
